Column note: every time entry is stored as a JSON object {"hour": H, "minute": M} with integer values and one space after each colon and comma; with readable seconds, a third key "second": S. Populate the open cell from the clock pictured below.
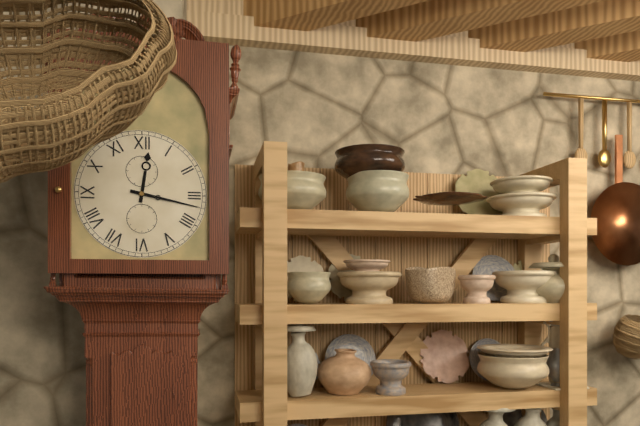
{"hour": 12, "minute": 17}
